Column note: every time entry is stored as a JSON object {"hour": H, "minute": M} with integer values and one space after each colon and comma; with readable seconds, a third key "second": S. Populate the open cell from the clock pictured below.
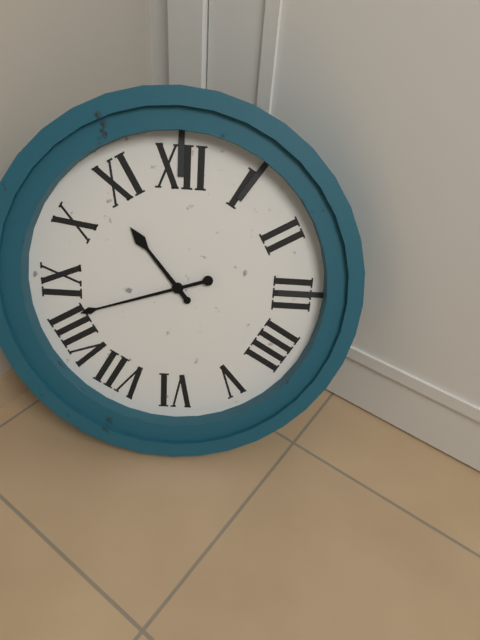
{"hour": 10, "minute": 42}
